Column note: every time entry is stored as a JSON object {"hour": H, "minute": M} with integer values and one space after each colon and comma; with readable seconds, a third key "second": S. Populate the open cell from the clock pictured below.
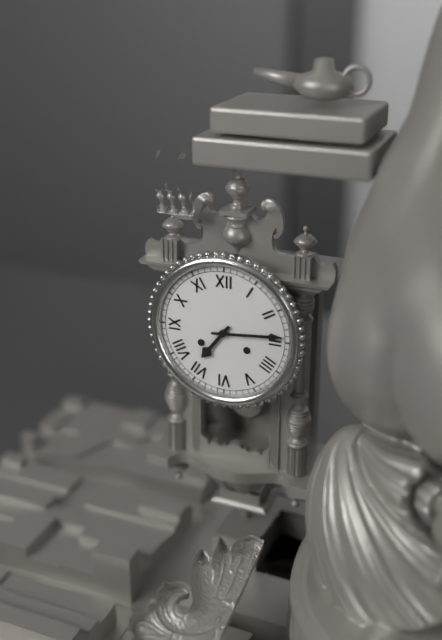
{"hour": 7, "minute": 14}
